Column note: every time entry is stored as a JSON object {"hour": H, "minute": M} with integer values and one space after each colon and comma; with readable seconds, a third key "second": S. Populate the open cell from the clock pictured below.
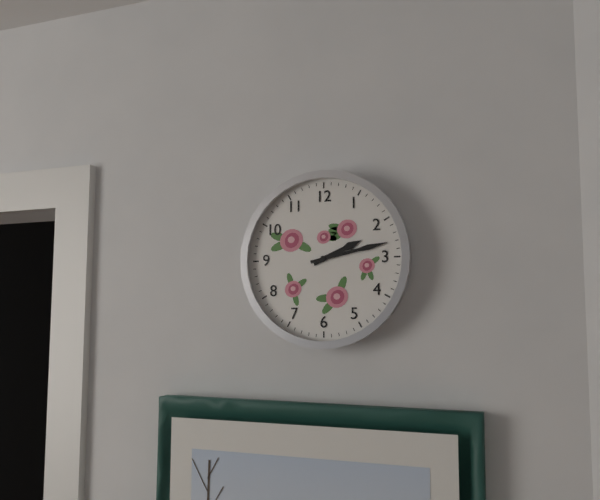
{"hour": 2, "minute": 13}
